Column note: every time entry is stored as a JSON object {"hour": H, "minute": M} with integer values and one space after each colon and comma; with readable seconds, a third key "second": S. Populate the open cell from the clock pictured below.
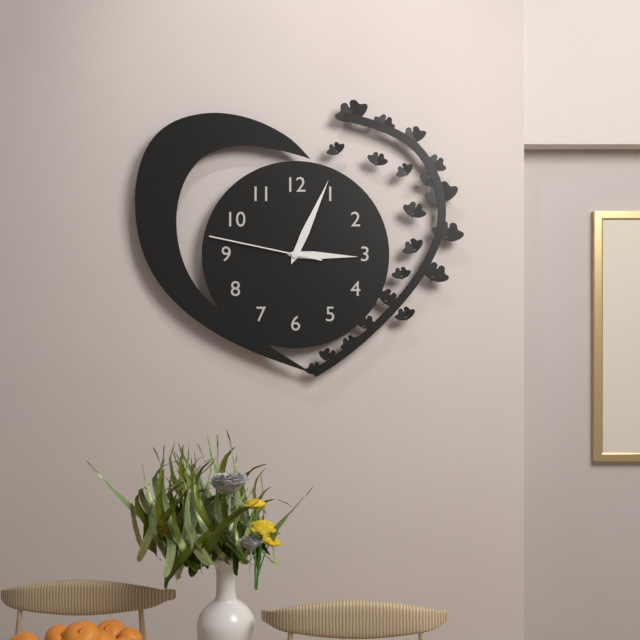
{"hour": 3, "minute": 4, "second": 47}
